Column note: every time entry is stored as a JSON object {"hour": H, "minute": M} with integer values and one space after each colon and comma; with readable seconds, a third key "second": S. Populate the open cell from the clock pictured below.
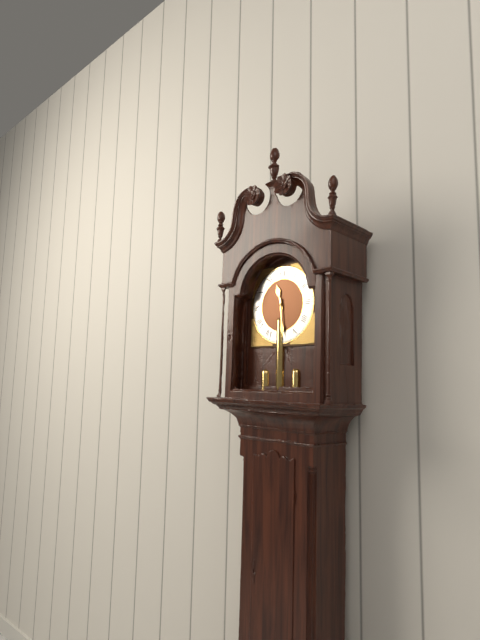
{"hour": 11, "minute": 29}
